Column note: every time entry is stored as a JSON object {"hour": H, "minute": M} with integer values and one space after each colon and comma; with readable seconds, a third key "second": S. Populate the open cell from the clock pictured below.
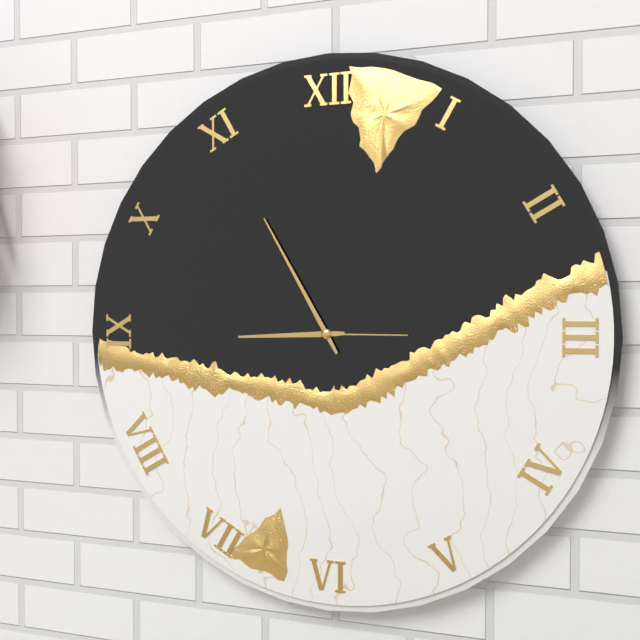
{"hour": 8, "minute": 55, "second": 15}
